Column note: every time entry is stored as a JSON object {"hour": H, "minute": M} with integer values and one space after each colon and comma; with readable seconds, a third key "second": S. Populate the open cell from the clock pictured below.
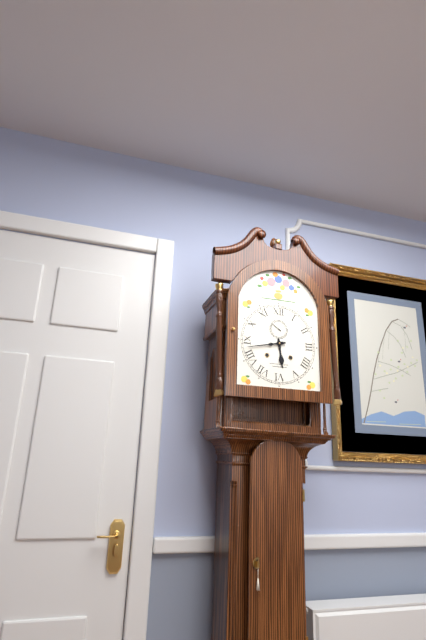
{"hour": 5, "minute": 43}
